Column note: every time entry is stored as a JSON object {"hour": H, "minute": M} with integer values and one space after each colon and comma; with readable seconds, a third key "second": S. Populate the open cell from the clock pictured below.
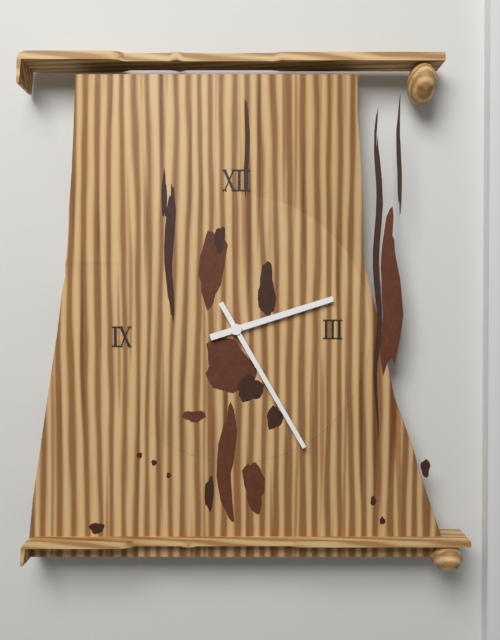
{"hour": 2, "minute": 25}
